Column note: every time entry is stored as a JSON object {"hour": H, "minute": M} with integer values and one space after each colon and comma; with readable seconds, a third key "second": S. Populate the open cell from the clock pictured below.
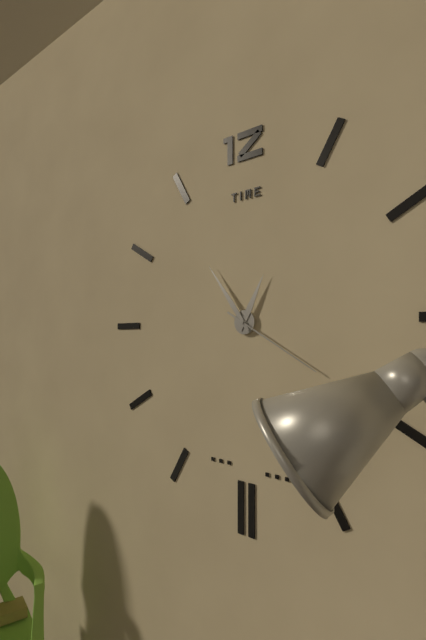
{"hour": 12, "minute": 54, "second": 20}
